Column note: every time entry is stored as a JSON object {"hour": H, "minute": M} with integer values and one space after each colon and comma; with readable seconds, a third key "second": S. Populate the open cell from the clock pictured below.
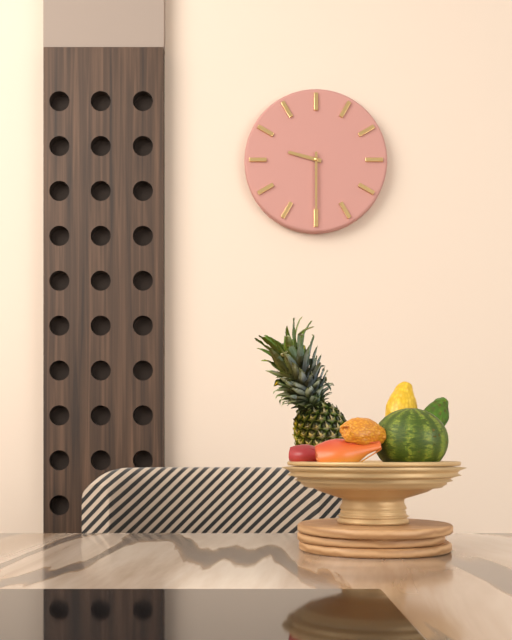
{"hour": 9, "minute": 30}
